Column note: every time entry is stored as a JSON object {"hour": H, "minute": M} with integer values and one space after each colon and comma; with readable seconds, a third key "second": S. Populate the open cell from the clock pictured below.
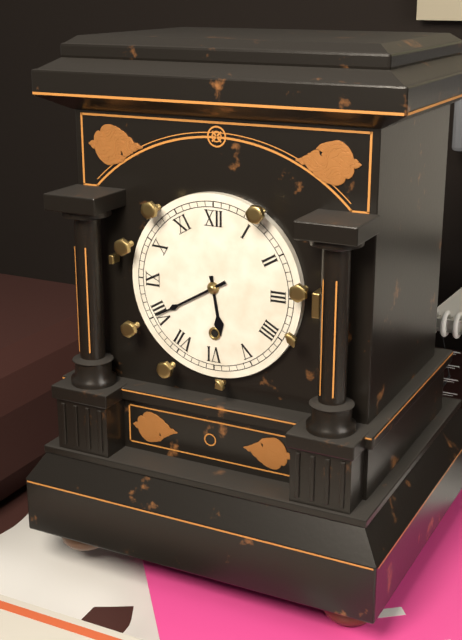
{"hour": 5, "minute": 40}
